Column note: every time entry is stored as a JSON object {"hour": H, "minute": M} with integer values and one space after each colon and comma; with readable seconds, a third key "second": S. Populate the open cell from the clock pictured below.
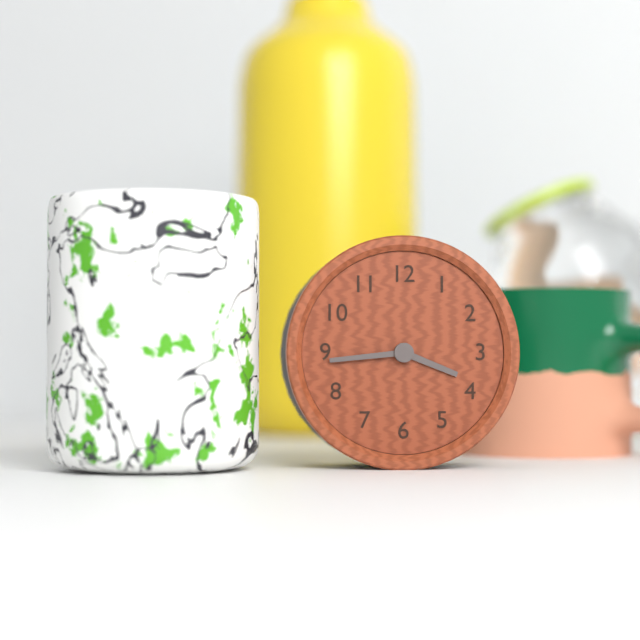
{"hour": 3, "minute": 44}
